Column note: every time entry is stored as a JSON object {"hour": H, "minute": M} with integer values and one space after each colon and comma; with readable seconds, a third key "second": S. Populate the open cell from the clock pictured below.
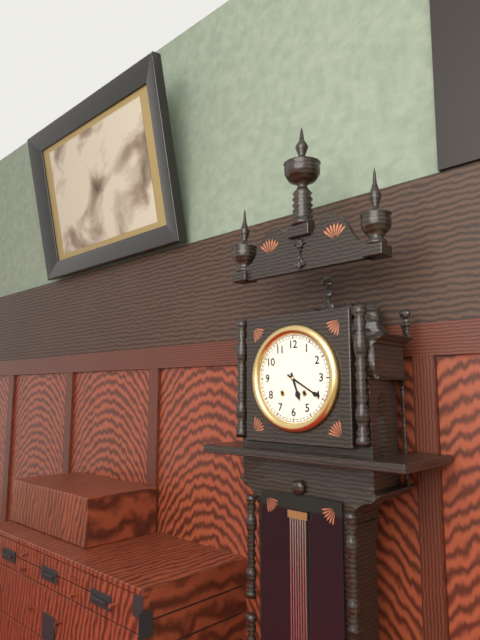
{"hour": 5, "minute": 20}
